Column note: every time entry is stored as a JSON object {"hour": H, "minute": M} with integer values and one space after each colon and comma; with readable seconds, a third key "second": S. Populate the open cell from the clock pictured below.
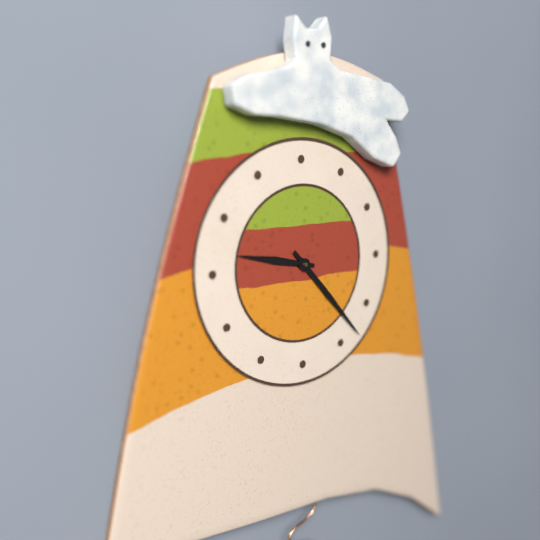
{"hour": 9, "minute": 23}
